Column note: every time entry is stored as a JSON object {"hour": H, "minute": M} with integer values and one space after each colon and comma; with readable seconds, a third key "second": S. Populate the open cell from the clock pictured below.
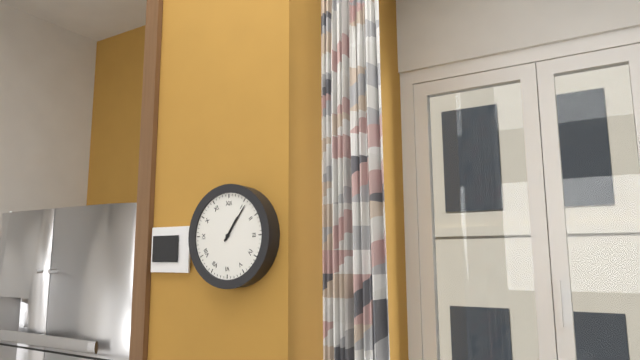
{"hour": 1, "minute": 6}
